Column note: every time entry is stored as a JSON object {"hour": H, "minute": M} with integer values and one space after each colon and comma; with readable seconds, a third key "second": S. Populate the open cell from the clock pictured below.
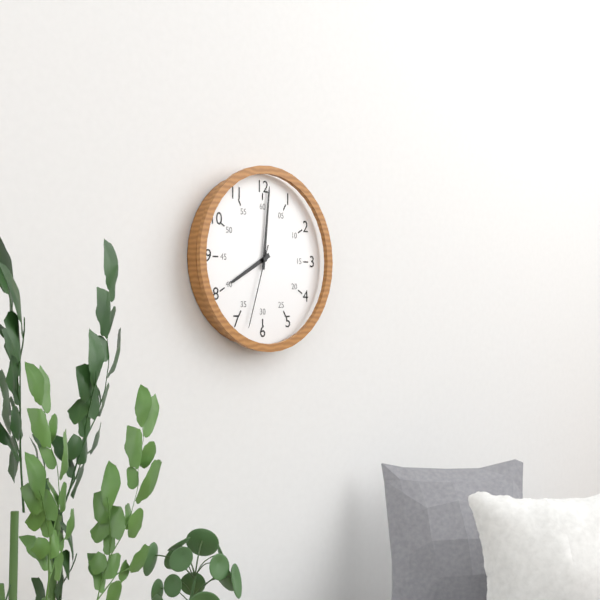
{"hour": 8, "minute": 1, "second": 33}
